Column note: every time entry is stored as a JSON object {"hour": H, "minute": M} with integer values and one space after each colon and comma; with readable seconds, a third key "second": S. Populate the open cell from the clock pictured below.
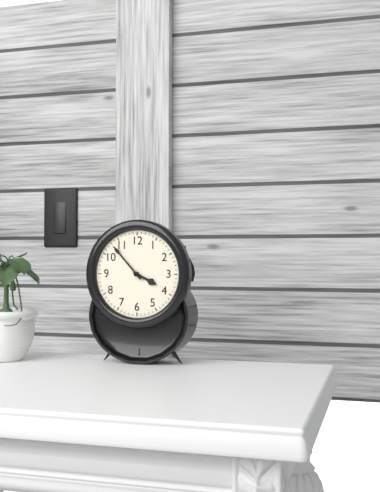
{"hour": 3, "minute": 53}
